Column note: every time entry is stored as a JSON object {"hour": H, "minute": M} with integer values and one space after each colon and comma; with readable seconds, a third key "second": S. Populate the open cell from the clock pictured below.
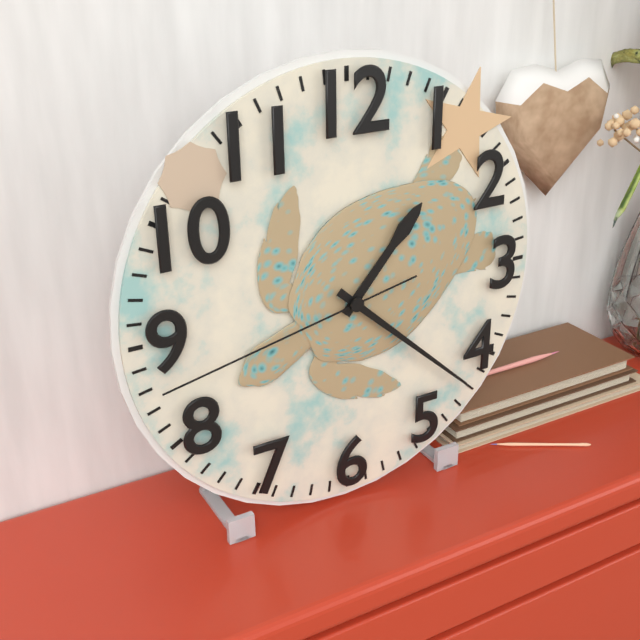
{"hour": 1, "minute": 22, "second": 43}
